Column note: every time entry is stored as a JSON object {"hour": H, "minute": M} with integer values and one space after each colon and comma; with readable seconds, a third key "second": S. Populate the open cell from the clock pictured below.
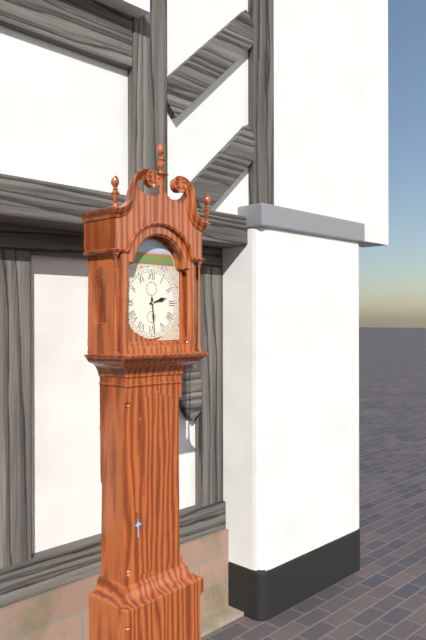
{"hour": 2, "minute": 29}
